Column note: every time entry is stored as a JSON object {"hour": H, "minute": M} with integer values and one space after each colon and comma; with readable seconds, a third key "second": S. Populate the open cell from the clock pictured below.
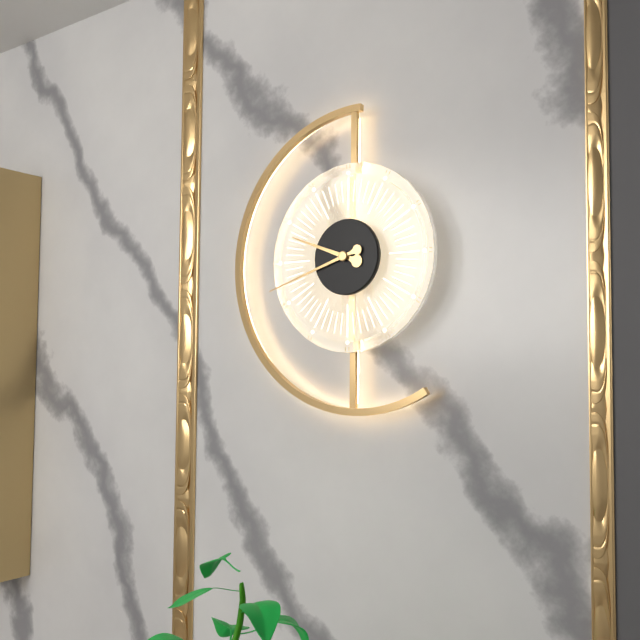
{"hour": 9, "minute": 42}
